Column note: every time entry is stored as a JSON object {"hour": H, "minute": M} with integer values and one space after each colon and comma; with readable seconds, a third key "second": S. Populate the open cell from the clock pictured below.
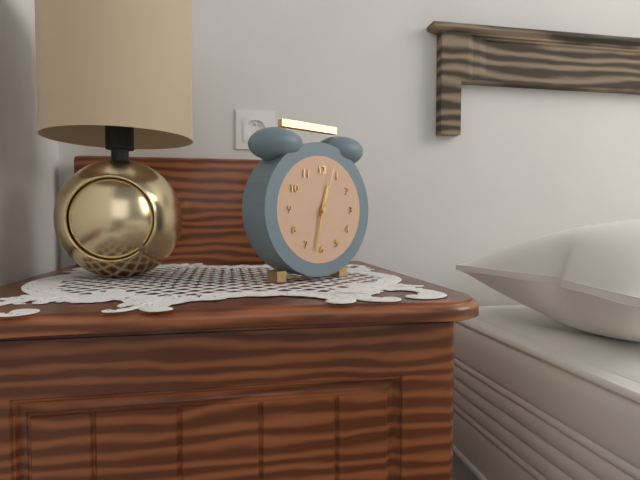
{"hour": 12, "minute": 32, "second": 3}
